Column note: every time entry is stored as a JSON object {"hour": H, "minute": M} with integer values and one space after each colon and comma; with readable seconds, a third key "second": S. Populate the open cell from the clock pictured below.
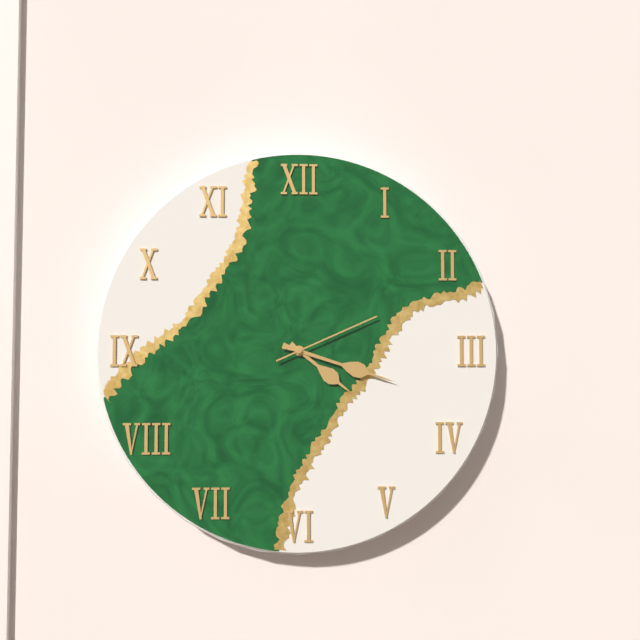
{"hour": 4, "minute": 18, "second": 11}
